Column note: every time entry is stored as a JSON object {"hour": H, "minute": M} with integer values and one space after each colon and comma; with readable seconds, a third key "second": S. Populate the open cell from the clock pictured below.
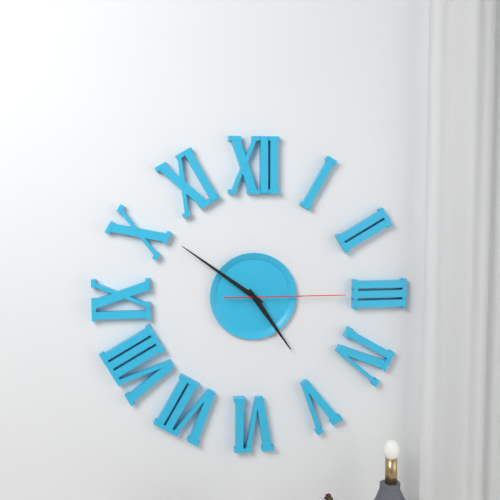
{"hour": 4, "minute": 51, "second": 15}
